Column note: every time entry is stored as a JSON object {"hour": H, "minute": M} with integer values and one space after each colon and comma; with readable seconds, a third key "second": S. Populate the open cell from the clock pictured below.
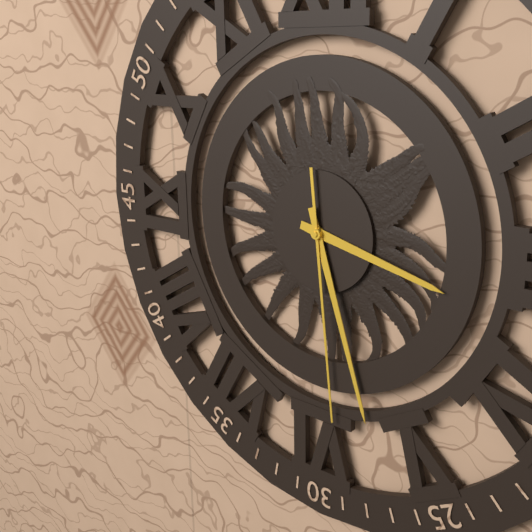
{"hour": 3, "minute": 27, "second": 29}
